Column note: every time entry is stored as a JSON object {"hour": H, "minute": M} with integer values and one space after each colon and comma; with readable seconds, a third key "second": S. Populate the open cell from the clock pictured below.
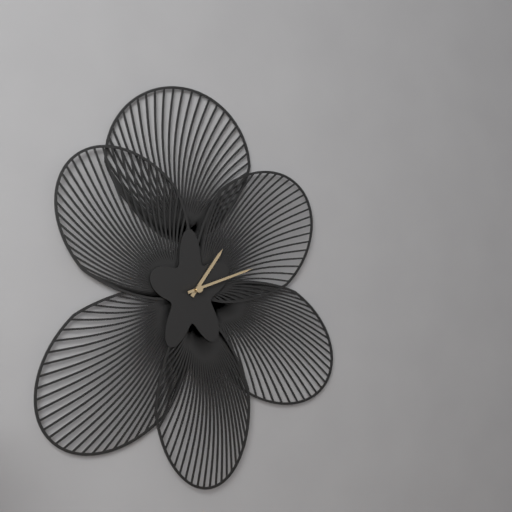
{"hour": 1, "minute": 12}
